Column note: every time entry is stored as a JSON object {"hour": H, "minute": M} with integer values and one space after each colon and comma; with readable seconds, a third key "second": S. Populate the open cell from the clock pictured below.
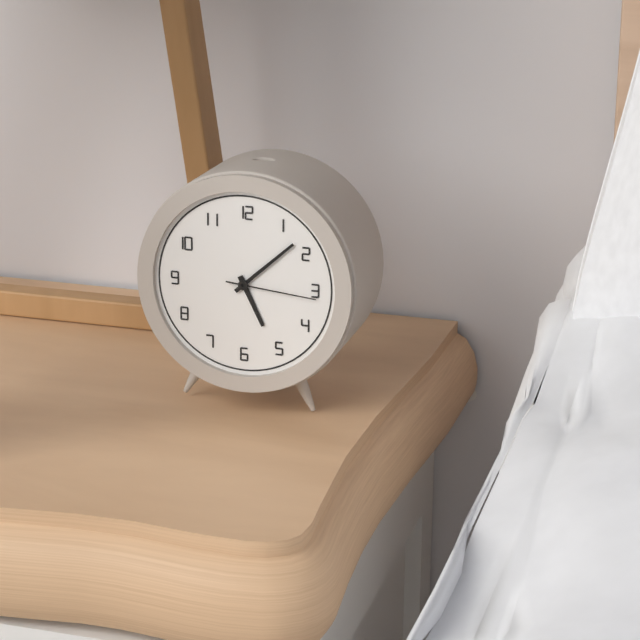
{"hour": 5, "minute": 8, "second": 16}
